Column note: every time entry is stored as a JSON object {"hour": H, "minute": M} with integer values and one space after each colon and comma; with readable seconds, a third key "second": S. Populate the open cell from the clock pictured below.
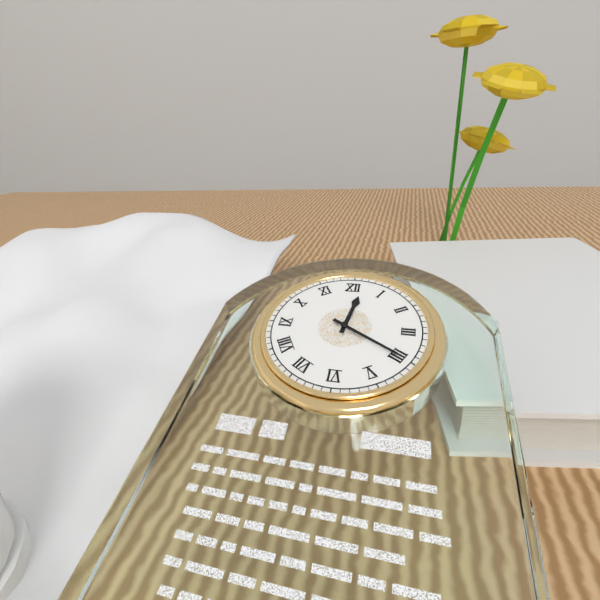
{"hour": 12, "minute": 20}
